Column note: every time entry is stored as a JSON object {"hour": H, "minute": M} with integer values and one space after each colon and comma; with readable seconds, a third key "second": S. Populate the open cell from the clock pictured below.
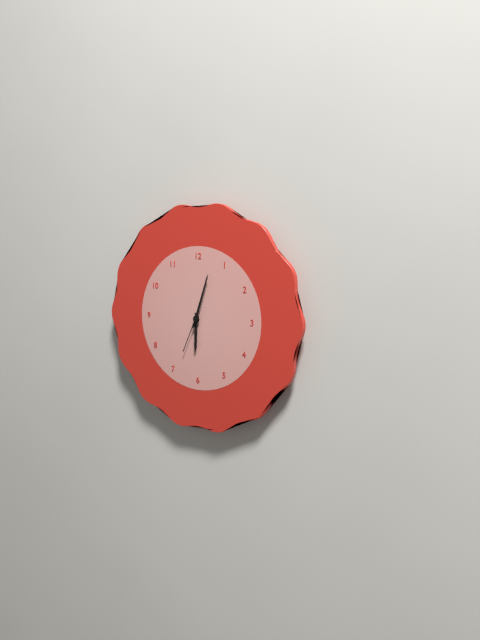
{"hour": 6, "minute": 3}
